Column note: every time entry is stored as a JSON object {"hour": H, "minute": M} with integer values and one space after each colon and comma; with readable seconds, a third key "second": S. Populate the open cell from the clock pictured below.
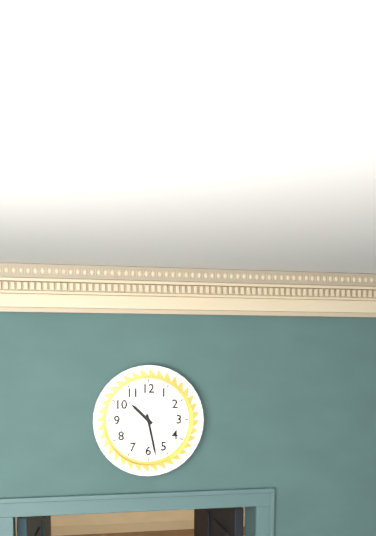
{"hour": 10, "minute": 28}
